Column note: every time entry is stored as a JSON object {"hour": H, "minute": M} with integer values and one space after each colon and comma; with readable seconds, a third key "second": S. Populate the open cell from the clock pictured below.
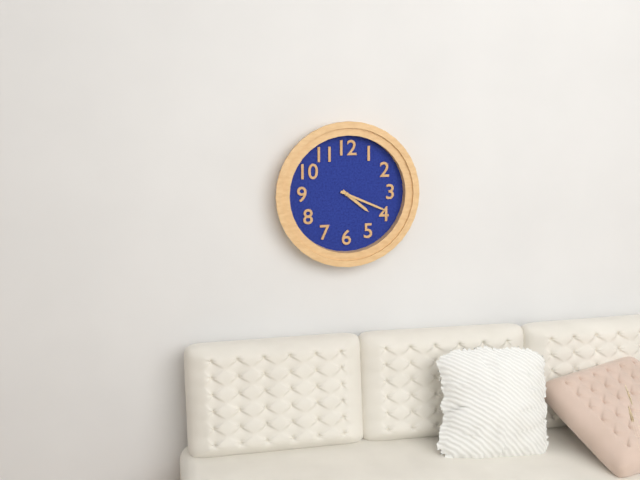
{"hour": 4, "minute": 19}
